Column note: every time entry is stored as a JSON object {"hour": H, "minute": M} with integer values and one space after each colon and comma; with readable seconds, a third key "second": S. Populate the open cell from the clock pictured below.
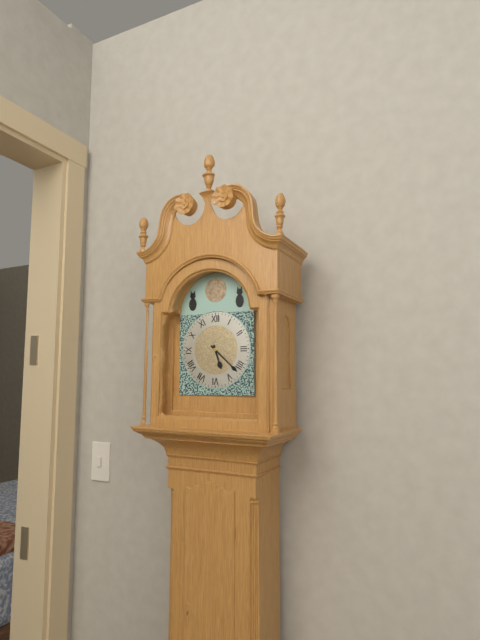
{"hour": 5, "minute": 22}
